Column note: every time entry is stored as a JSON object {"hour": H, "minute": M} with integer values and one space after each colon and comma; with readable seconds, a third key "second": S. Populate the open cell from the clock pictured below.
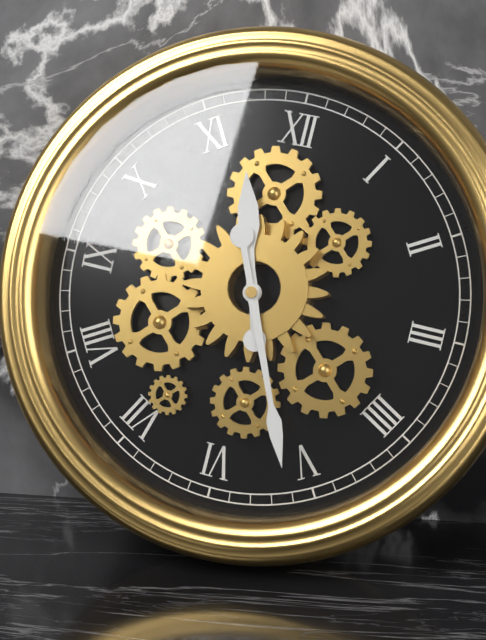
{"hour": 11, "minute": 26}
